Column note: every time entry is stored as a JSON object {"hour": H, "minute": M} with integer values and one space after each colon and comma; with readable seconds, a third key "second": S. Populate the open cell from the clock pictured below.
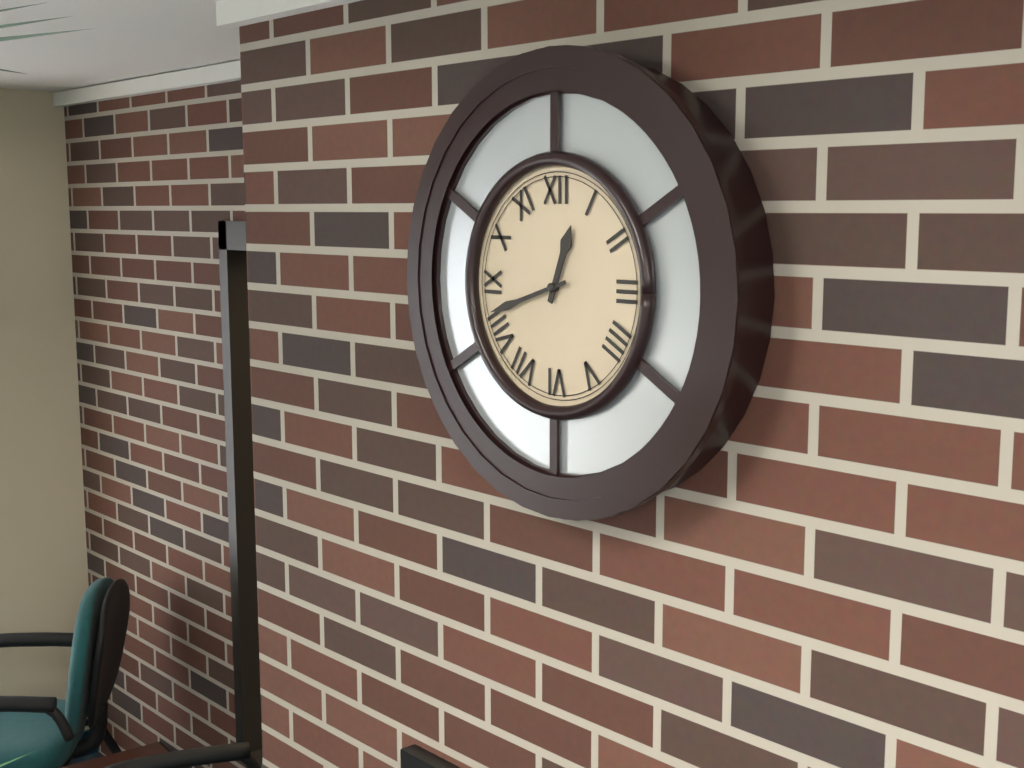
{"hour": 12, "minute": 42}
